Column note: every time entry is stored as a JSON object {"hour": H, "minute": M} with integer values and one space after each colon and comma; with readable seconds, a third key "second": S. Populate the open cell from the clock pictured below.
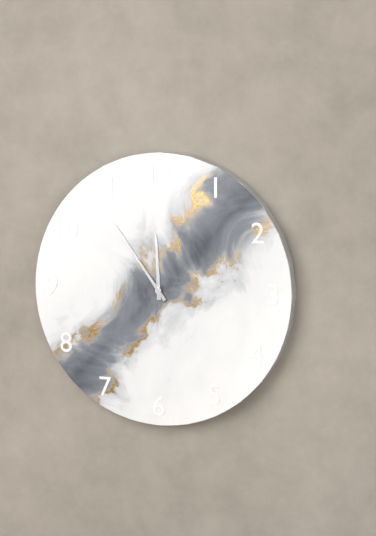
{"hour": 11, "minute": 54}
